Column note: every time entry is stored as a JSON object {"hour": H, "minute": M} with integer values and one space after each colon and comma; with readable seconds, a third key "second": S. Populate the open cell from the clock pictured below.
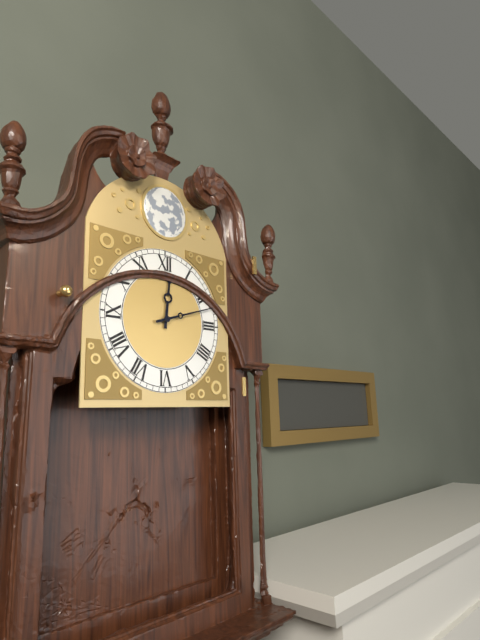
{"hour": 12, "minute": 12}
